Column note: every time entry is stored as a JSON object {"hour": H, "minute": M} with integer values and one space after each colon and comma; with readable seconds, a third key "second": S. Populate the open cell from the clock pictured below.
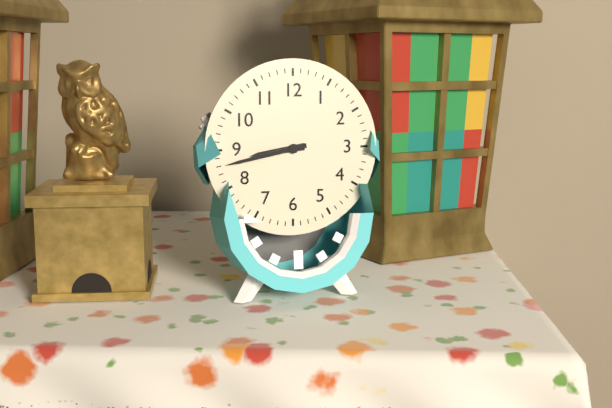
{"hour": 8, "minute": 43}
